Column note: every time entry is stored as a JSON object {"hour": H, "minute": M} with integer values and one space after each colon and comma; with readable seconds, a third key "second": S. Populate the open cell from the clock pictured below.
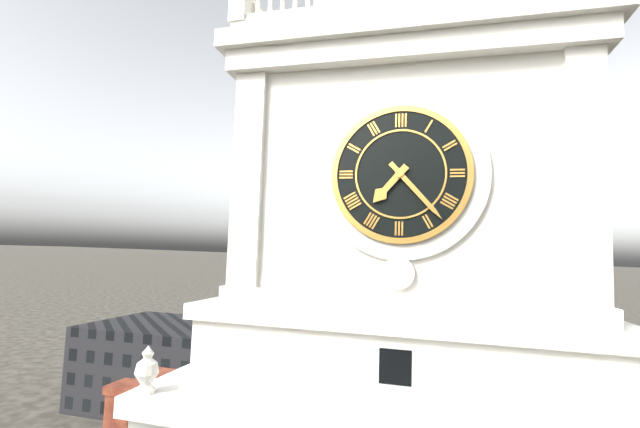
{"hour": 7, "minute": 23}
